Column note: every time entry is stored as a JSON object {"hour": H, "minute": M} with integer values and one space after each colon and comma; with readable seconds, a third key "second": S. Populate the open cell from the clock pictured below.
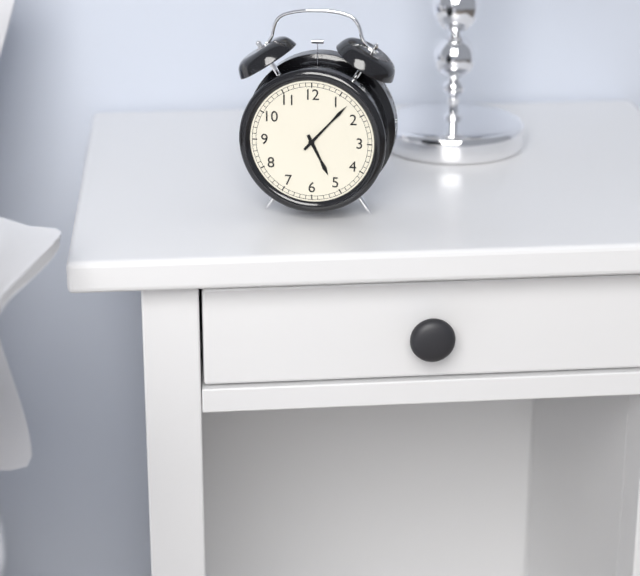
{"hour": 5, "minute": 7}
